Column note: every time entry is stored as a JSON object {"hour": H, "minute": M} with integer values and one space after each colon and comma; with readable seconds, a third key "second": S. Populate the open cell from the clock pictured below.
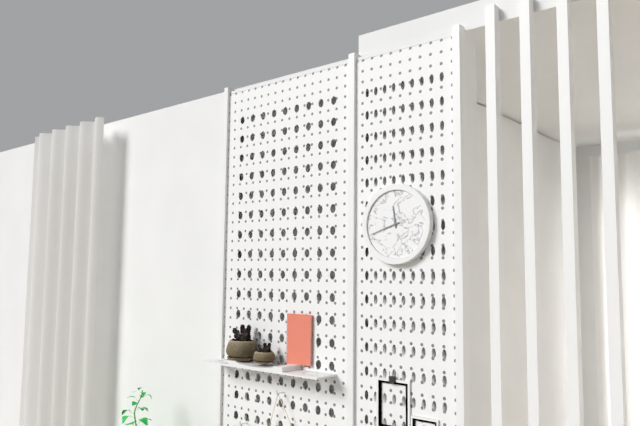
{"hour": 11, "minute": 42}
